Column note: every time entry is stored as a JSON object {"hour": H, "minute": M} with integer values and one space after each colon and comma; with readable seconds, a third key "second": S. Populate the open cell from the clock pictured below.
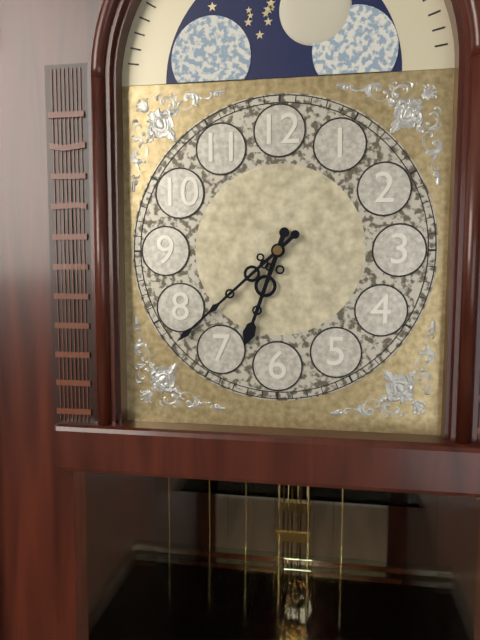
{"hour": 6, "minute": 38}
